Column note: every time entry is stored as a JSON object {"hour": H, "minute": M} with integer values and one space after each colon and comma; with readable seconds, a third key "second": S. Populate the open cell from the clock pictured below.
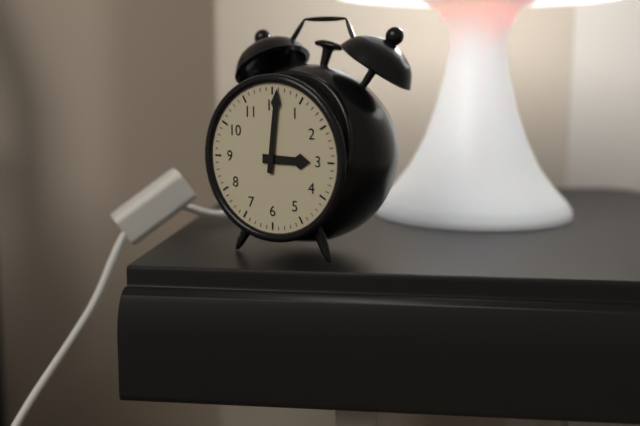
{"hour": 3, "minute": 1}
